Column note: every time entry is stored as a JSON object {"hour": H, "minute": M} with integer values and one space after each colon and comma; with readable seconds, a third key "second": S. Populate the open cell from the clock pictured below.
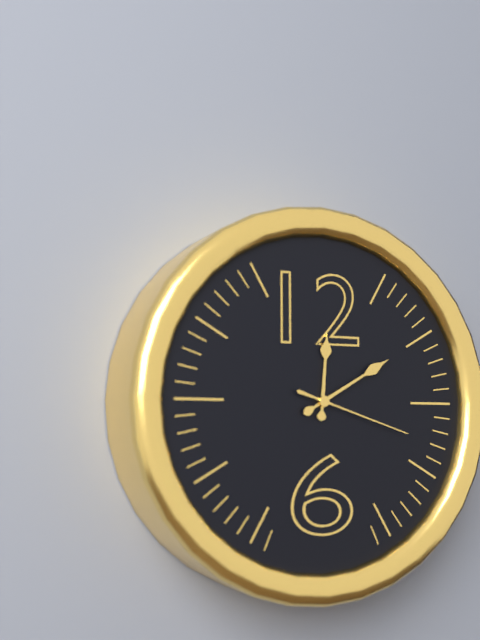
{"hour": 12, "minute": 10, "second": 18}
